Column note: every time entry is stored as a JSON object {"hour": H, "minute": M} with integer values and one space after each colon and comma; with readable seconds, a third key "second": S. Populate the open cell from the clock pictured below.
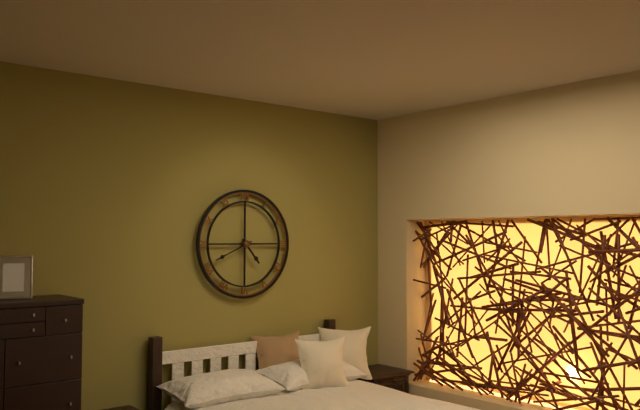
{"hour": 4, "minute": 41}
